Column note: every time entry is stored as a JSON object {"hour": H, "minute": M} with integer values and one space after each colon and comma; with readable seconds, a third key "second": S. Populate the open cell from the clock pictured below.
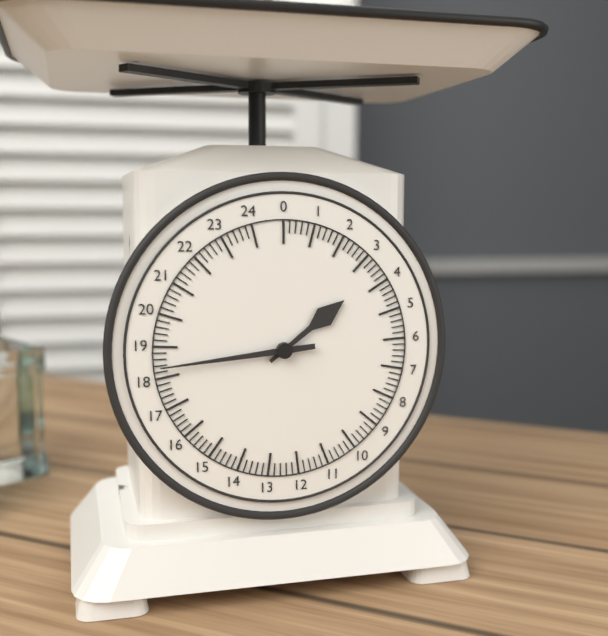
{"hour": 1, "minute": 44}
